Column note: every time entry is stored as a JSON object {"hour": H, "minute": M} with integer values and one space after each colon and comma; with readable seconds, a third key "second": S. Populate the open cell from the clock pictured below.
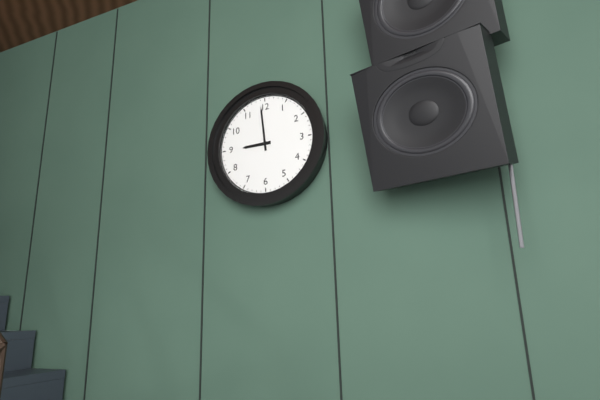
{"hour": 8, "minute": 59}
